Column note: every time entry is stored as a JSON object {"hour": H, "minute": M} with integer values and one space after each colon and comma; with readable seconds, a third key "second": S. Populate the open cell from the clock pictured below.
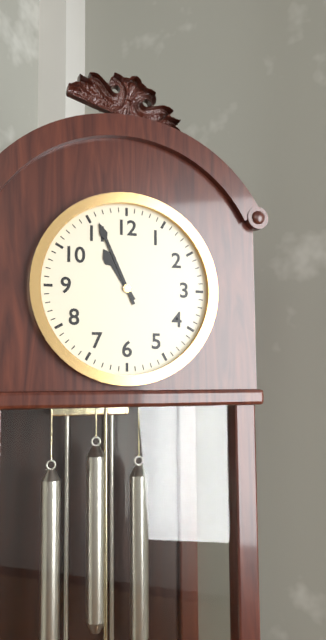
{"hour": 10, "minute": 56}
